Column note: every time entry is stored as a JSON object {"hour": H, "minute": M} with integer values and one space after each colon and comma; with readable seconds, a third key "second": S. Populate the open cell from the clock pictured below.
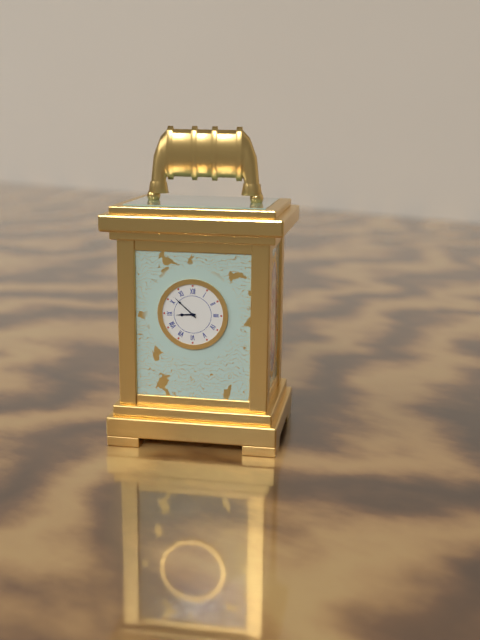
{"hour": 8, "minute": 52}
